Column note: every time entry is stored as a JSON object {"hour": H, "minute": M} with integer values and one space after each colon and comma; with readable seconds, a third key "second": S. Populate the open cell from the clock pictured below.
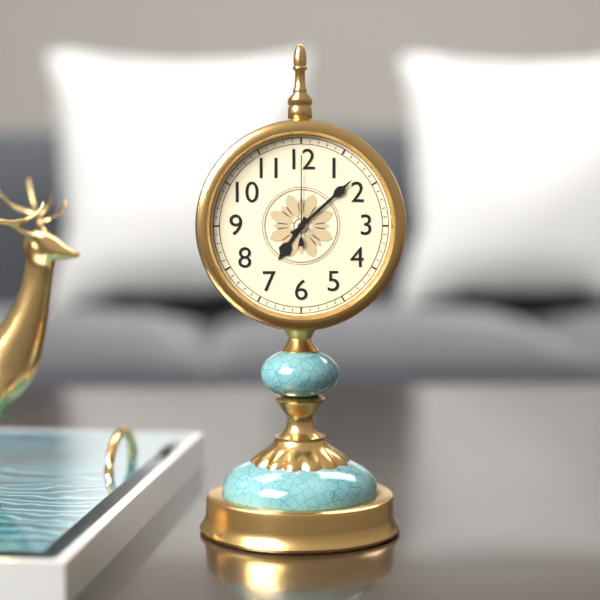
{"hour": 7, "minute": 8, "second": 0}
